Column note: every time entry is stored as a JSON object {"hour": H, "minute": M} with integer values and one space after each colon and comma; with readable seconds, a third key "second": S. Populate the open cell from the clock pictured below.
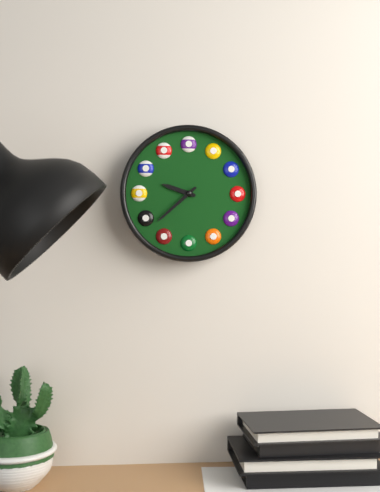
{"hour": 9, "minute": 38}
